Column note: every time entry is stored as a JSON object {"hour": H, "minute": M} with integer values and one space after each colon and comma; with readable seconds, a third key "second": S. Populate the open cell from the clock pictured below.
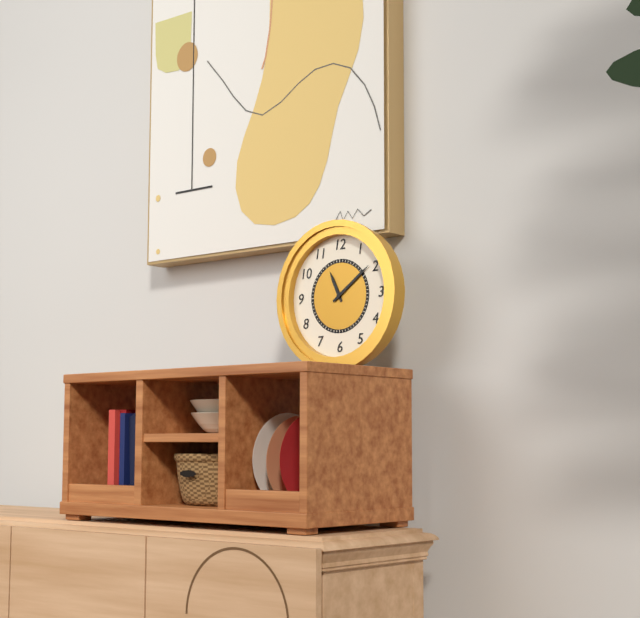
{"hour": 11, "minute": 9}
